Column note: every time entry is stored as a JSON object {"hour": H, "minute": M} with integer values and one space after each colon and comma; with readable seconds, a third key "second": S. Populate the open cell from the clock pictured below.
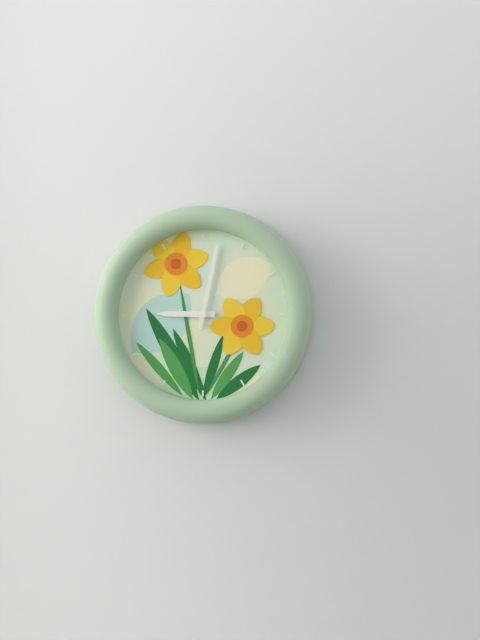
{"hour": 9, "minute": 2}
